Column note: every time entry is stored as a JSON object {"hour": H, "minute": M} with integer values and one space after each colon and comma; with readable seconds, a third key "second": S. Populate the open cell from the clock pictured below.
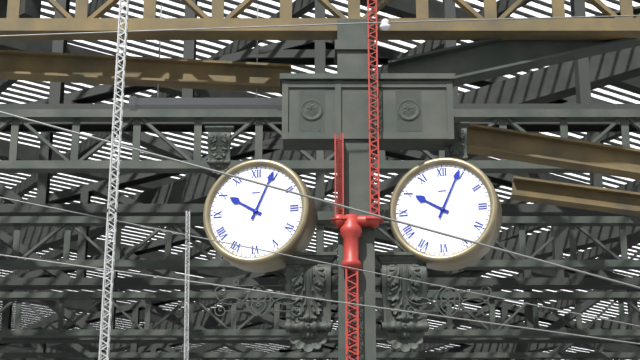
{"hour": 10, "minute": 4}
